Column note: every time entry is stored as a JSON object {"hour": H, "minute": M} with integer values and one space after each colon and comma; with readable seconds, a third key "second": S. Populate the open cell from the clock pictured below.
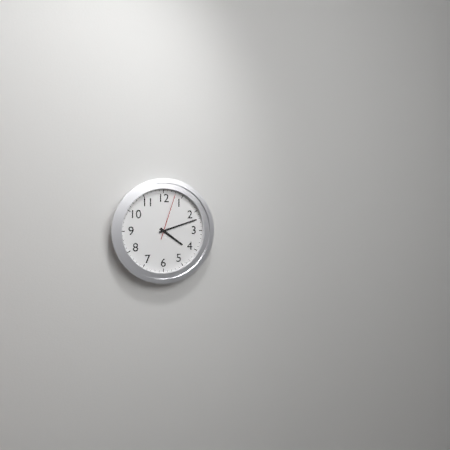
{"hour": 4, "minute": 12}
